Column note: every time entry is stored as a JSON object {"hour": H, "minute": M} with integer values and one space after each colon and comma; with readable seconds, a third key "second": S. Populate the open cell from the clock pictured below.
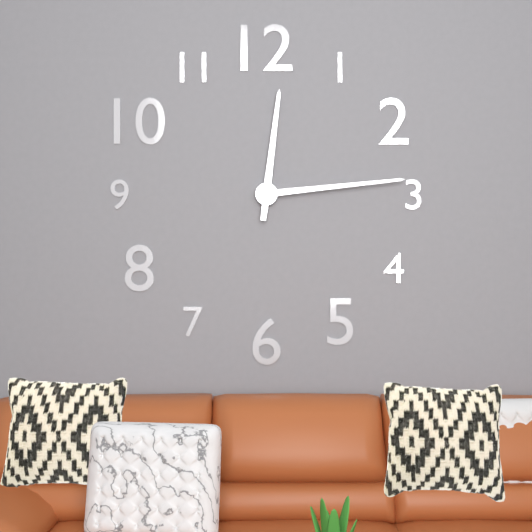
{"hour": 12, "minute": 14}
